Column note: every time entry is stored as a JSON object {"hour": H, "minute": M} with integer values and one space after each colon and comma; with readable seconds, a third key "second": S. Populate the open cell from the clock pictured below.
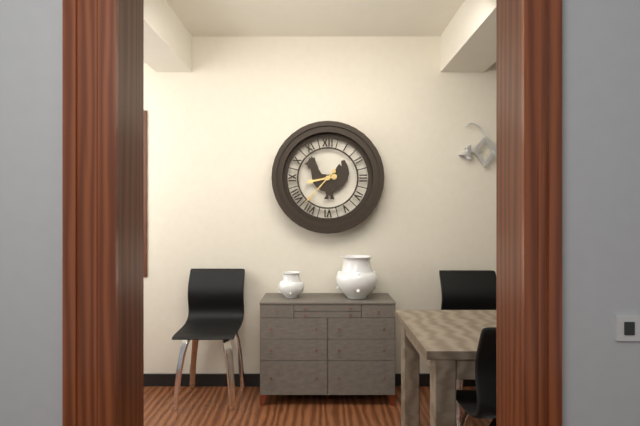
{"hour": 8, "minute": 37}
